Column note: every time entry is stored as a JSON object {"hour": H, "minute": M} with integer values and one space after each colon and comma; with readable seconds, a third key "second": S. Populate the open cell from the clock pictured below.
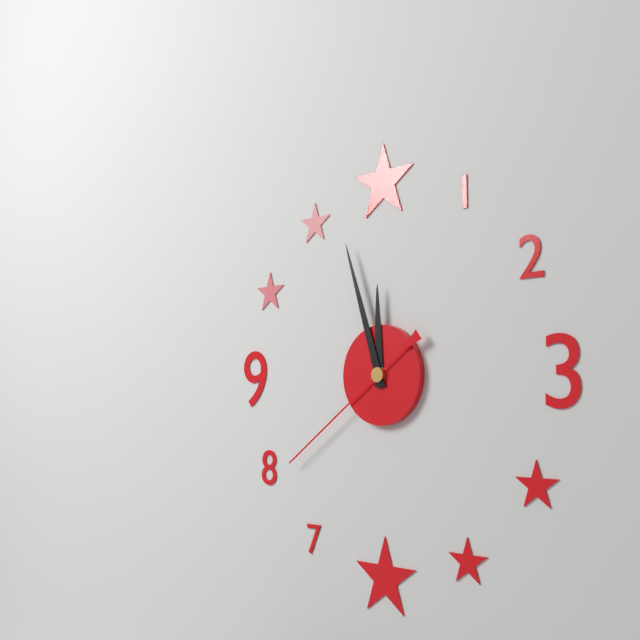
{"hour": 11, "minute": 57, "second": 39}
